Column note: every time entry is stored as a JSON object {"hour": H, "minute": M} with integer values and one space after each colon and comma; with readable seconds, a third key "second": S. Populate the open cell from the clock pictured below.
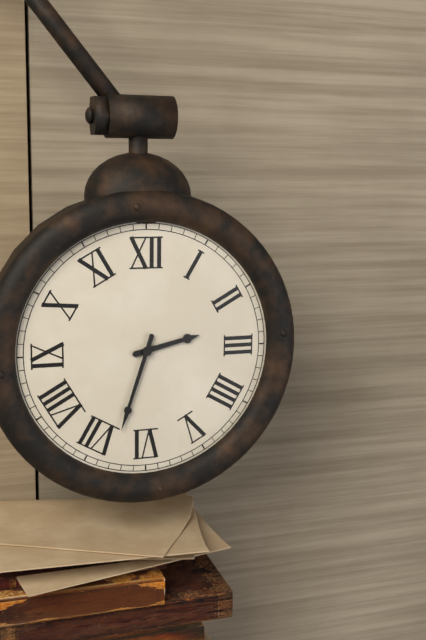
{"hour": 2, "minute": 33}
